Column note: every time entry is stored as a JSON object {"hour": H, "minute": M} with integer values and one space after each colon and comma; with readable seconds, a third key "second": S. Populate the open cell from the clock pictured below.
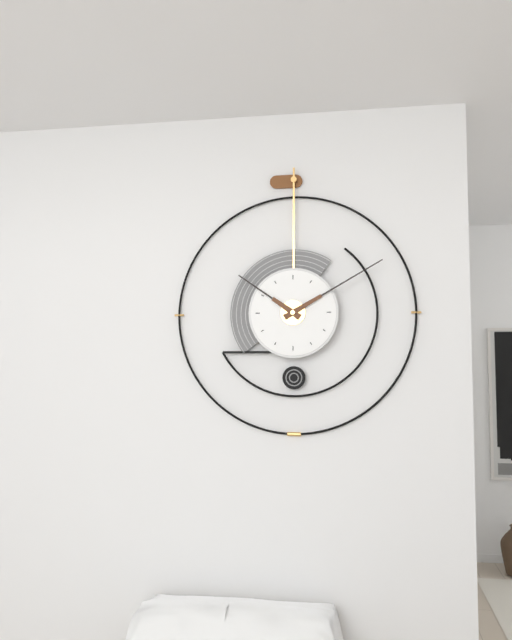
{"hour": 10, "minute": 10}
